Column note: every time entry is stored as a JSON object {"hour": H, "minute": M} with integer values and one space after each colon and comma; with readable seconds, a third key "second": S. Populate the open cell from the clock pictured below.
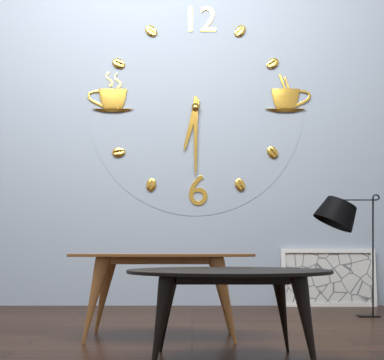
{"hour": 6, "minute": 30}
